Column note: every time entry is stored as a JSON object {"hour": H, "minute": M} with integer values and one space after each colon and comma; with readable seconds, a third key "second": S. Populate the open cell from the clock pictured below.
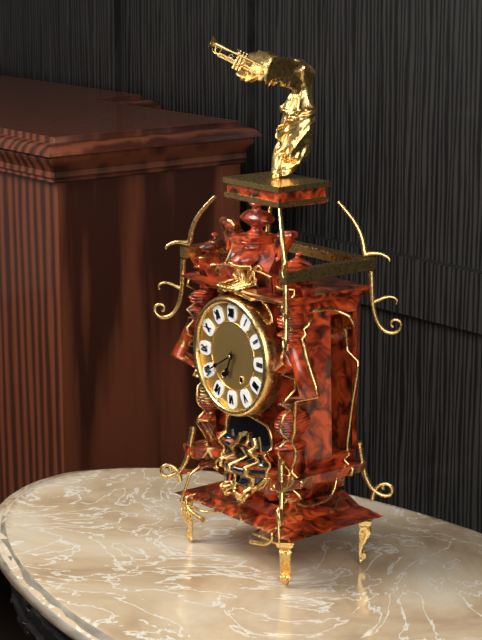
{"hour": 6, "minute": 40}
